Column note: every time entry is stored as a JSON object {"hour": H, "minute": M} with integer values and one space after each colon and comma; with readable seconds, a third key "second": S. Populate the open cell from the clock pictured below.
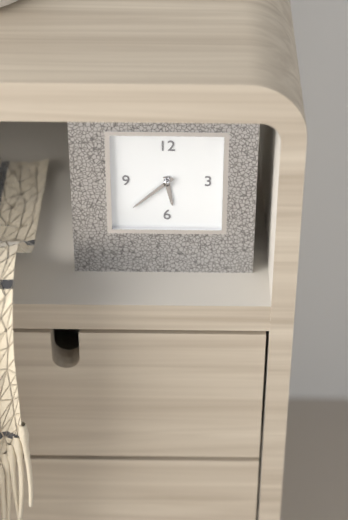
{"hour": 5, "minute": 38}
